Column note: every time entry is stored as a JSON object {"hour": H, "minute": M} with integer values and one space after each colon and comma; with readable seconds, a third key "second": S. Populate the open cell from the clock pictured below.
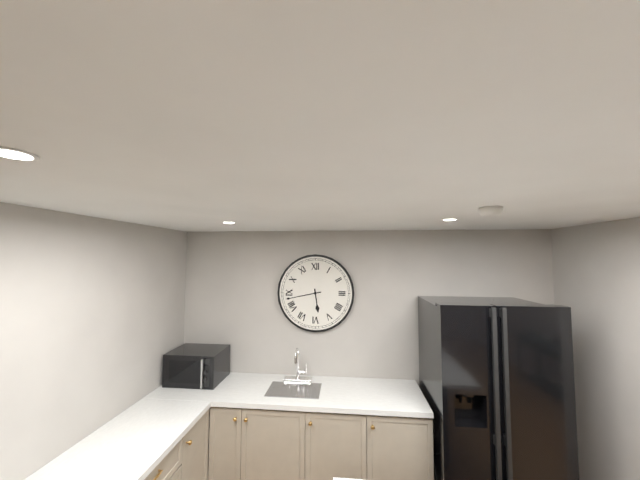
{"hour": 5, "minute": 43}
